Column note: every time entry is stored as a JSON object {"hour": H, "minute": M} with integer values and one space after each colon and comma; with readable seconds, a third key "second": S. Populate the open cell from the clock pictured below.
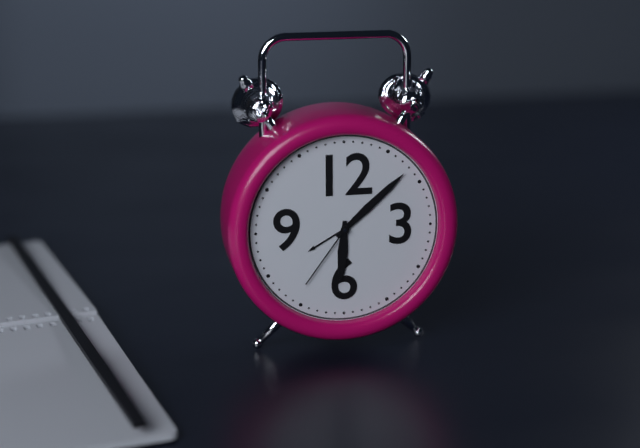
{"hour": 6, "minute": 8, "second": 36}
